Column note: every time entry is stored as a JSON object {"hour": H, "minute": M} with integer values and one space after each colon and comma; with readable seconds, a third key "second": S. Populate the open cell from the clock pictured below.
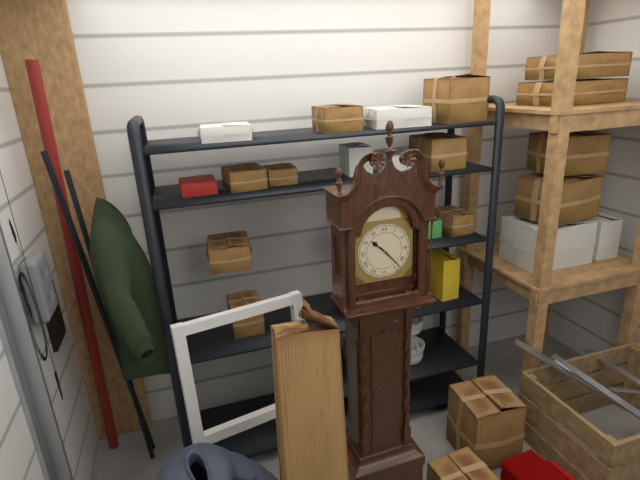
{"hour": 10, "minute": 23}
